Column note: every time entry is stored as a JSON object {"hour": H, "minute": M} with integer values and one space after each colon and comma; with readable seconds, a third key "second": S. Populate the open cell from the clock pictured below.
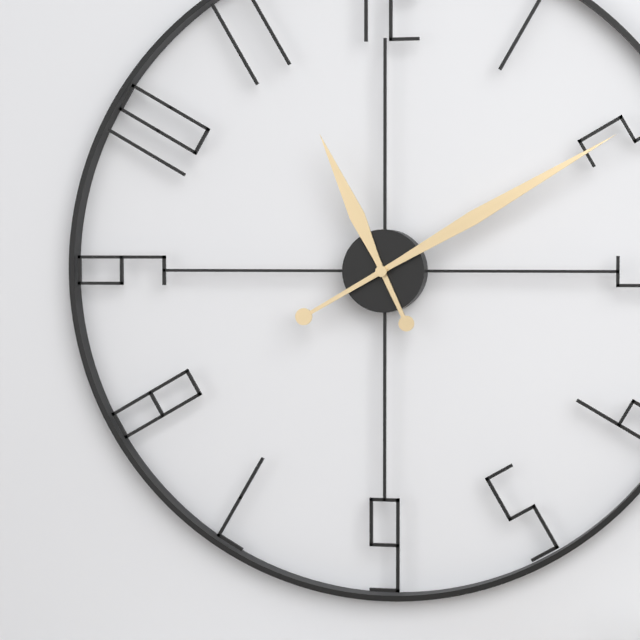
{"hour": 11, "minute": 10}
